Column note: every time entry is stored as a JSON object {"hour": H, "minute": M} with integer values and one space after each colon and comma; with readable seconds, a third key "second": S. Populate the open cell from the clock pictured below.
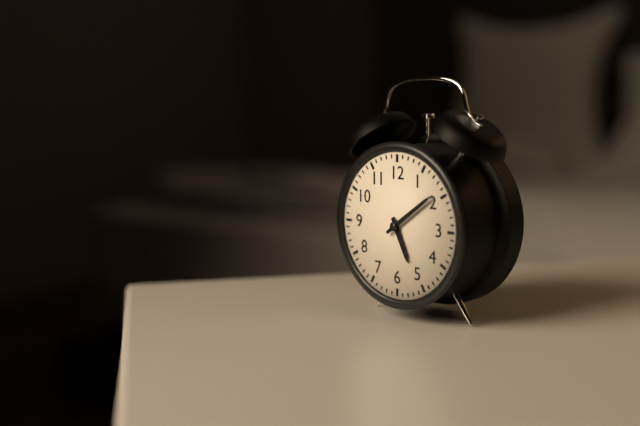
{"hour": 5, "minute": 9}
